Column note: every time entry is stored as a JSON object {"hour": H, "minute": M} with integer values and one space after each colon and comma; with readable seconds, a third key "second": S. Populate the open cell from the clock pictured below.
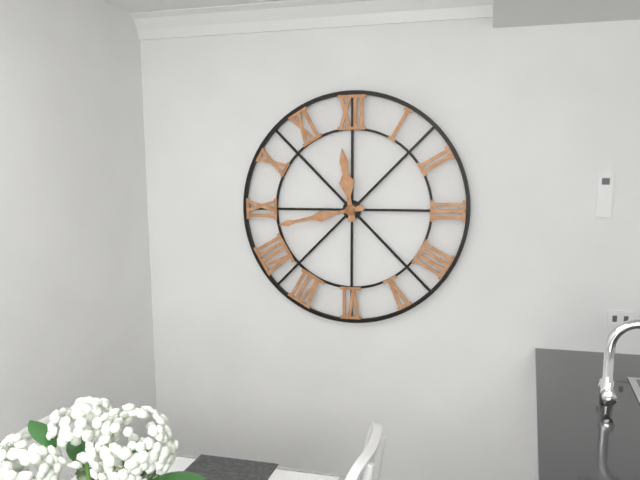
{"hour": 11, "minute": 43}
